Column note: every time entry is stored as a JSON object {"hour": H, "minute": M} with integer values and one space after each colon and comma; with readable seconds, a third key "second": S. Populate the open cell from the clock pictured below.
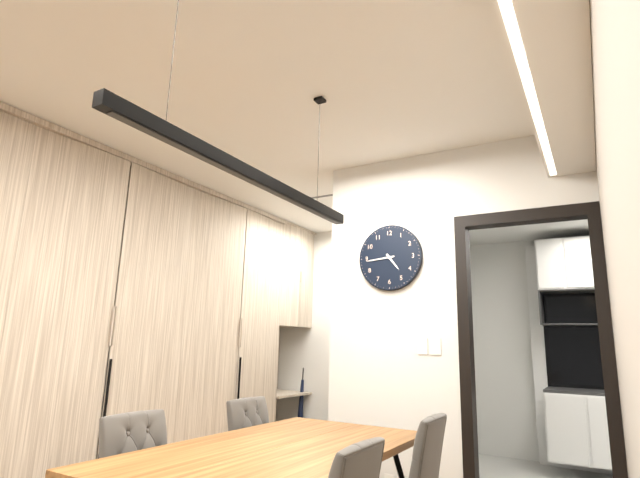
{"hour": 4, "minute": 44}
